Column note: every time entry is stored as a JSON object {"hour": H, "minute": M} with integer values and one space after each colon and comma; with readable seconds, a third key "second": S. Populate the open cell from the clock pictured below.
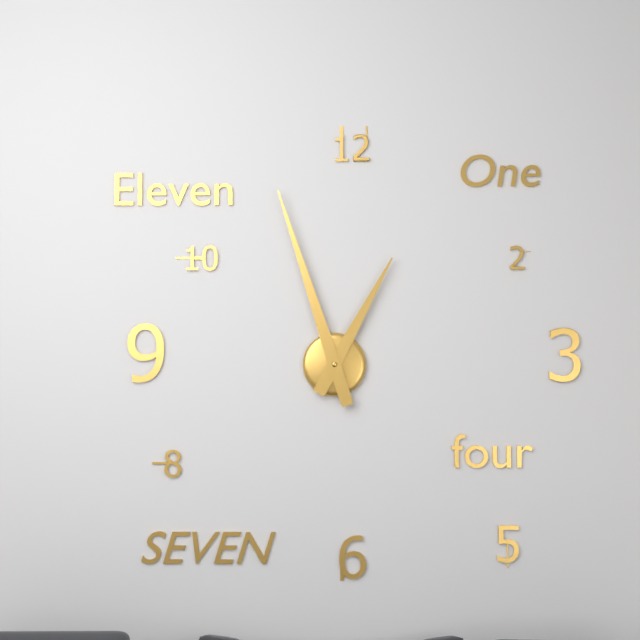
{"hour": 12, "minute": 57}
